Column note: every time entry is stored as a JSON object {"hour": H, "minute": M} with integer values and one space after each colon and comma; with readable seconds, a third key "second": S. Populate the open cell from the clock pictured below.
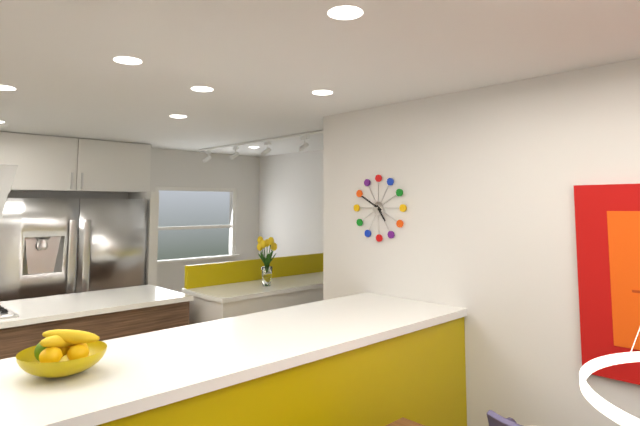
{"hour": 4, "minute": 50}
